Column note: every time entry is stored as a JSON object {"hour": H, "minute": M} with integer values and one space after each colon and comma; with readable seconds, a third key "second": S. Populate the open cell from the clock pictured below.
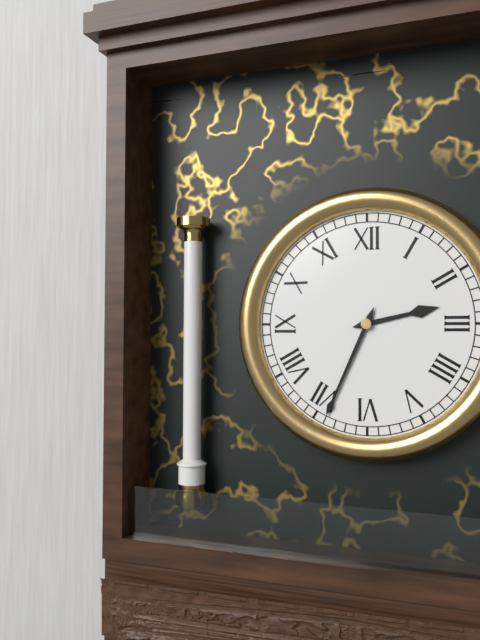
{"hour": 2, "minute": 34}
